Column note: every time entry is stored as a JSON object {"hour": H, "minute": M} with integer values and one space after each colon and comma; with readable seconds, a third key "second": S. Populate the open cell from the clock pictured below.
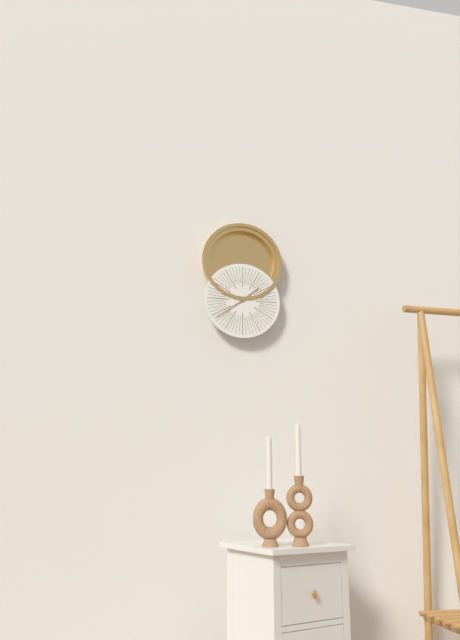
{"hour": 1, "minute": 39}
